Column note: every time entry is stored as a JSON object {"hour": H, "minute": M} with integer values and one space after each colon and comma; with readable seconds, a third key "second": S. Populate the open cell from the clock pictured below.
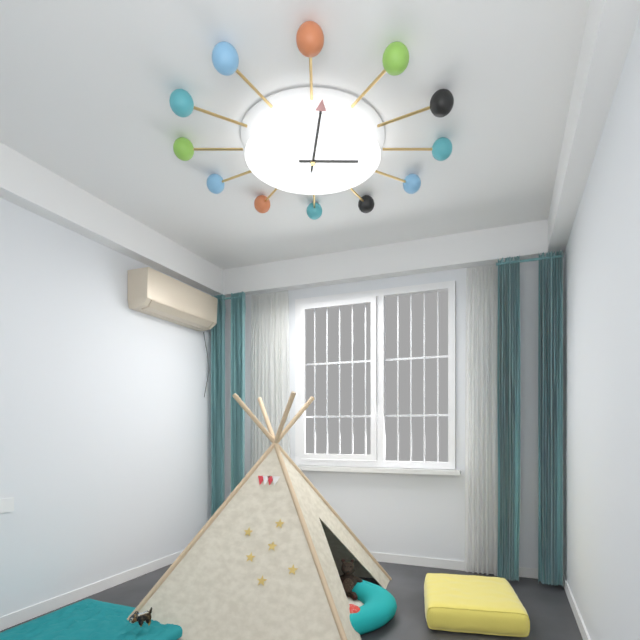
{"hour": 3, "minute": 1}
